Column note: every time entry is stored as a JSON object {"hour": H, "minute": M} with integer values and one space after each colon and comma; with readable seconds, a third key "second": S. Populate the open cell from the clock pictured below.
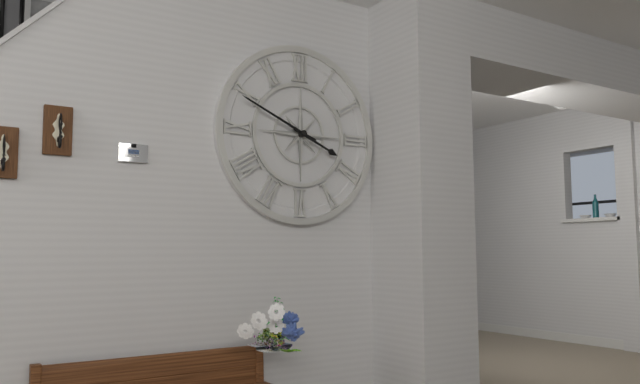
{"hour": 3, "minute": 49}
